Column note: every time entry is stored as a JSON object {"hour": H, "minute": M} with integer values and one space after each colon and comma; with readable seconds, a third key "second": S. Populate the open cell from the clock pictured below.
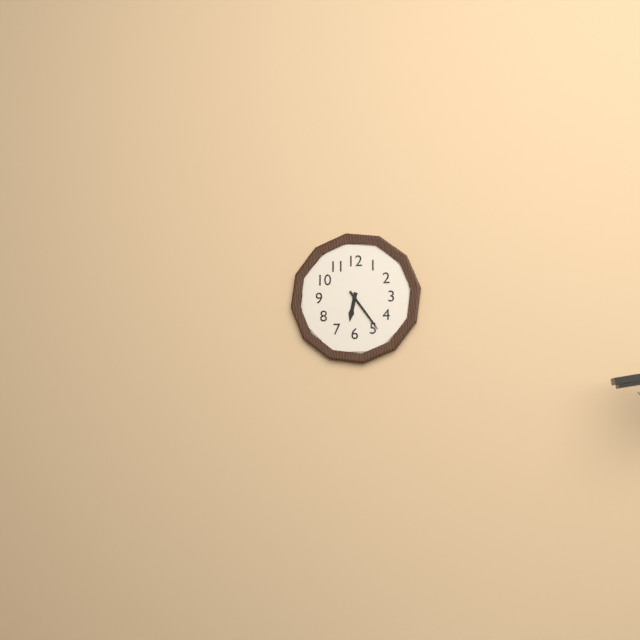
{"hour": 6, "minute": 24}
